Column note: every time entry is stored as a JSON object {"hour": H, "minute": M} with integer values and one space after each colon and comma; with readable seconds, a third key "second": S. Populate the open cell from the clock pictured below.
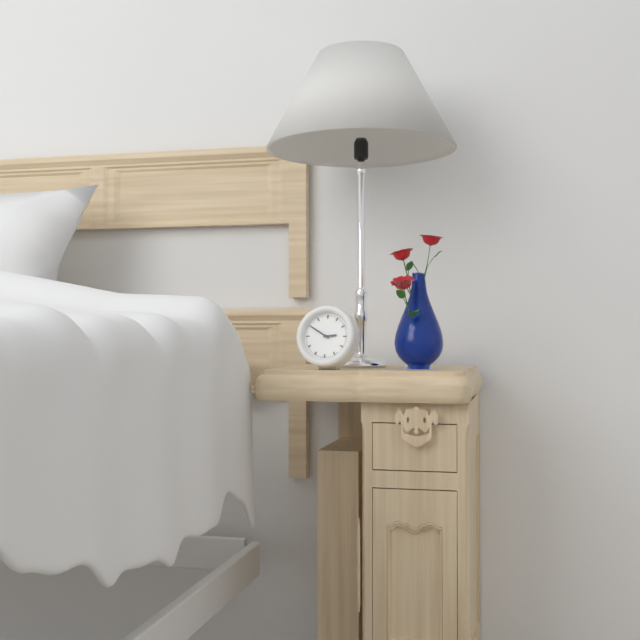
{"hour": 2, "minute": 50}
